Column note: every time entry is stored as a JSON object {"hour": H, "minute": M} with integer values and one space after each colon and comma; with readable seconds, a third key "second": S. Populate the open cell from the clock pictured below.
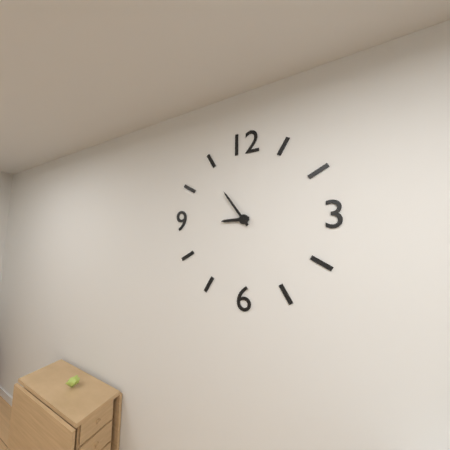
{"hour": 8, "minute": 54}
